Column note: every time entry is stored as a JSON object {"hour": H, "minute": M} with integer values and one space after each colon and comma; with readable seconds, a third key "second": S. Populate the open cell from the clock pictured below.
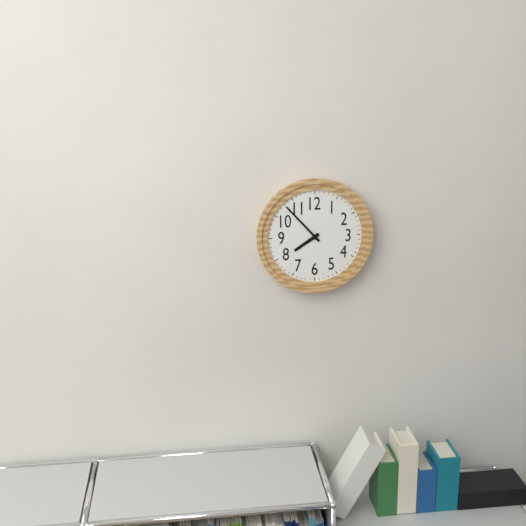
{"hour": 7, "minute": 53}
